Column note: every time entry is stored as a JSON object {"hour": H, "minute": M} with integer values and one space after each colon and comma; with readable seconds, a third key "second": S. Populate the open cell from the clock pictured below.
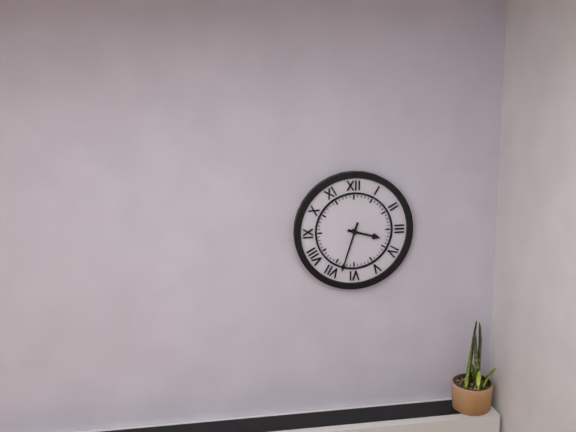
{"hour": 3, "minute": 33}
